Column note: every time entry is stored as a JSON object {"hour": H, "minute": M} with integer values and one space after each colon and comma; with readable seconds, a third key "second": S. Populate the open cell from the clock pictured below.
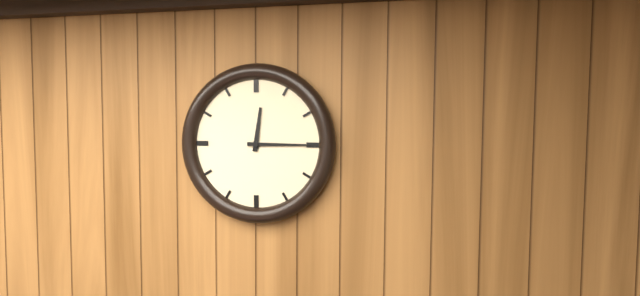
{"hour": 12, "minute": 15}
